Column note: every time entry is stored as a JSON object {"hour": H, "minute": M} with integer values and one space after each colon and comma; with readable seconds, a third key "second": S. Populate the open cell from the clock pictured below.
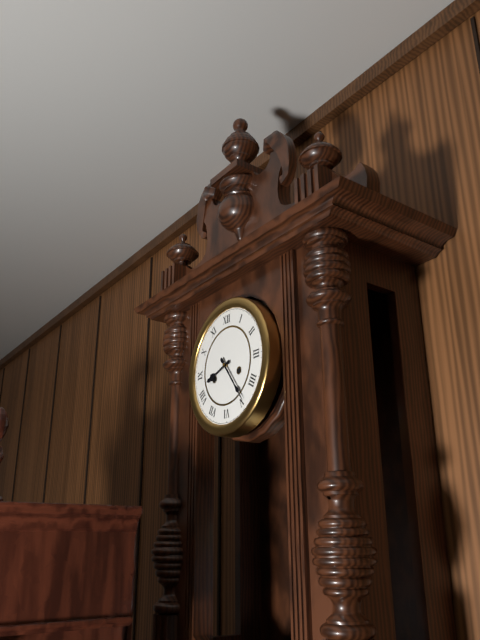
{"hour": 8, "minute": 24}
